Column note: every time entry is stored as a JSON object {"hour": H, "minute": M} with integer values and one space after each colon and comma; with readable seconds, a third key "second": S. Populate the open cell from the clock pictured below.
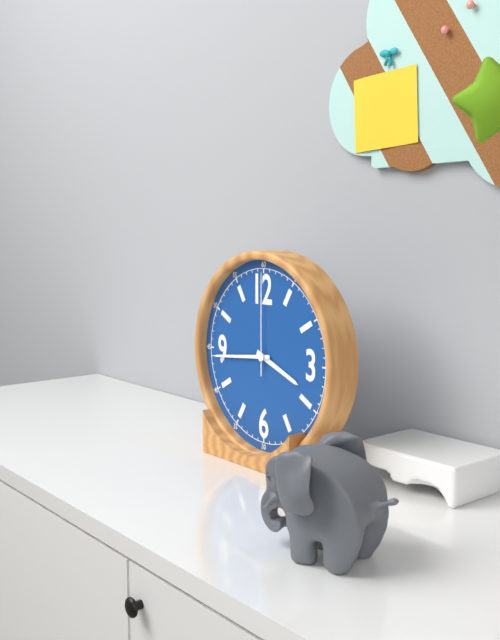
{"hour": 3, "minute": 44, "second": 0}
